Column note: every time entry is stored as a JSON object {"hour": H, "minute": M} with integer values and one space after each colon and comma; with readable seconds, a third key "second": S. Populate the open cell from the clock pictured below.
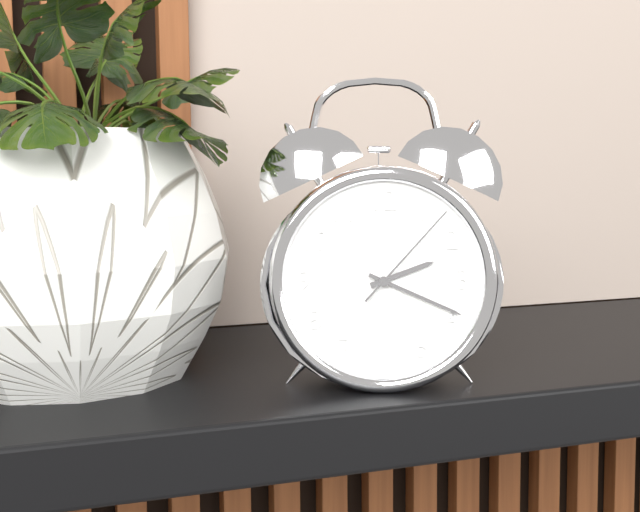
{"hour": 2, "minute": 19, "second": 7}
